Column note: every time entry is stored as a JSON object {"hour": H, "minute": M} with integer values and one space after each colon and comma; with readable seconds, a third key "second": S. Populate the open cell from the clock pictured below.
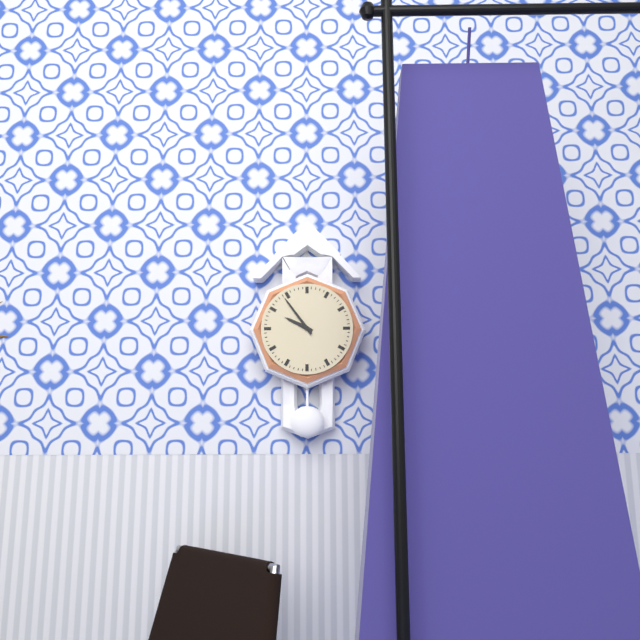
{"hour": 9, "minute": 54}
